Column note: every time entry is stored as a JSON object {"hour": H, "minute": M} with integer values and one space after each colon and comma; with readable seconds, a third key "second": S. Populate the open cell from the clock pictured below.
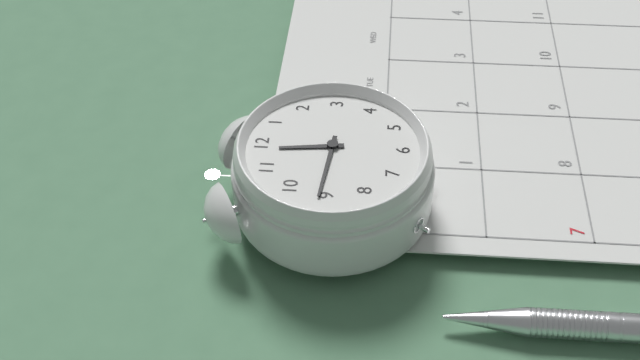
{"hour": 11, "minute": 46}
